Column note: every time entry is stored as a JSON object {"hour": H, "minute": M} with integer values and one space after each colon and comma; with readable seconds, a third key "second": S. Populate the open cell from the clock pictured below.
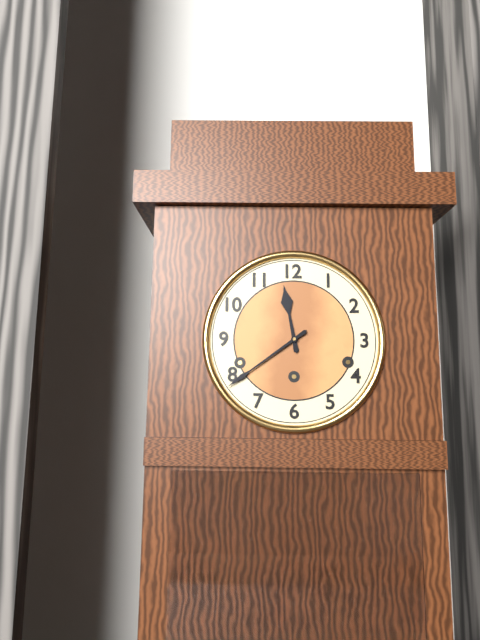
{"hour": 11, "minute": 39}
